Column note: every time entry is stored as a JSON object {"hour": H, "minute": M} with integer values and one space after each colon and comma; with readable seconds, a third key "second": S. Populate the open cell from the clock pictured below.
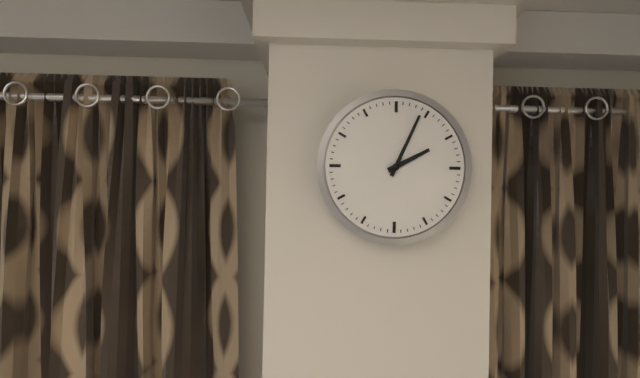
{"hour": 2, "minute": 4}
